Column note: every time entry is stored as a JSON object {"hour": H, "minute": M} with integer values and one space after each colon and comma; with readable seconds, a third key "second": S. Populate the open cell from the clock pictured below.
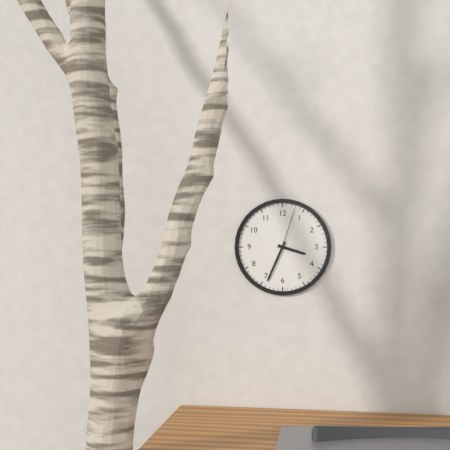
{"hour": 3, "minute": 34, "second": 3}
